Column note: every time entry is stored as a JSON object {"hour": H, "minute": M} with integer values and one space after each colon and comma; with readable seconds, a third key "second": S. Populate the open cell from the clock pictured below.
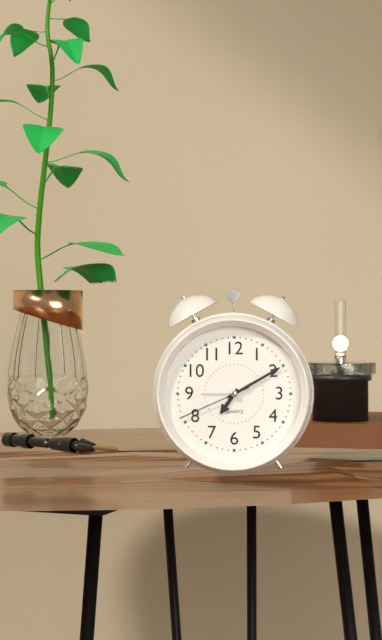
{"hour": 7, "minute": 10, "second": 41}
